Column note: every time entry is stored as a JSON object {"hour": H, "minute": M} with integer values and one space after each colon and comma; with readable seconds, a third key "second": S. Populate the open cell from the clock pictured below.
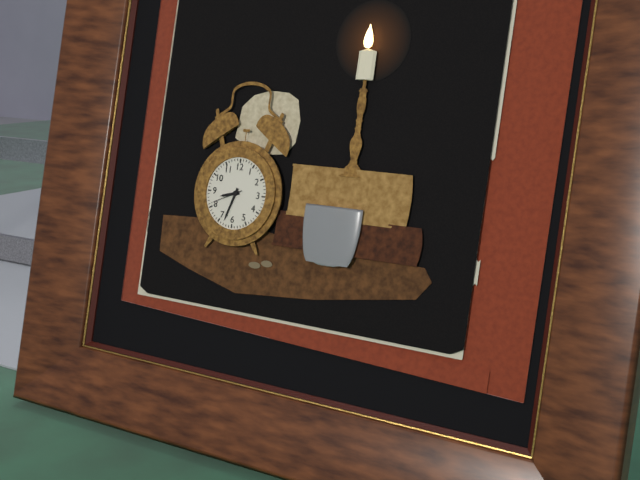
{"hour": 8, "minute": 33}
